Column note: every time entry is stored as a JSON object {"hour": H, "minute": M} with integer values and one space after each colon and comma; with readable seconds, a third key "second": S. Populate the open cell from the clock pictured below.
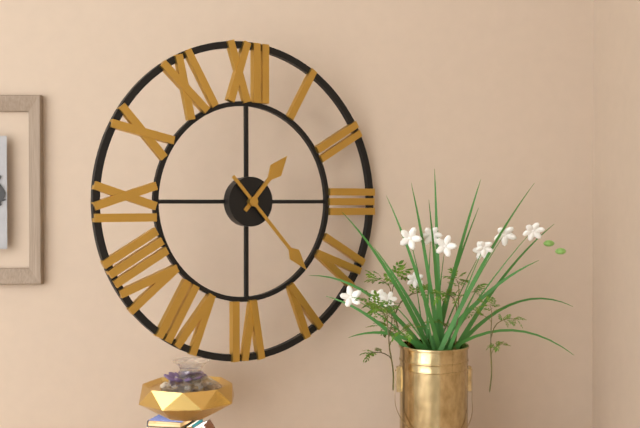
{"hour": 1, "minute": 23}
